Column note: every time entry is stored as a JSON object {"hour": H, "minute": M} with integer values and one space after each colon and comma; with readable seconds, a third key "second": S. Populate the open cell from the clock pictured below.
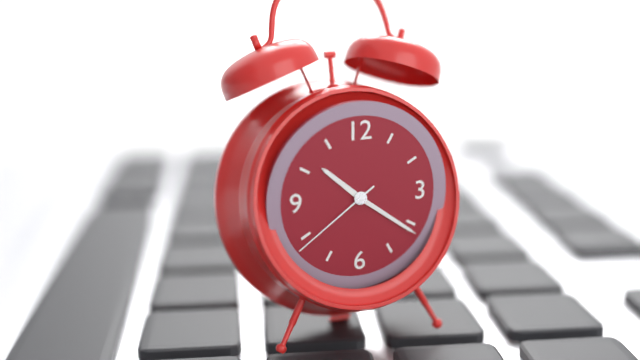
{"hour": 10, "minute": 21, "second": 39}
